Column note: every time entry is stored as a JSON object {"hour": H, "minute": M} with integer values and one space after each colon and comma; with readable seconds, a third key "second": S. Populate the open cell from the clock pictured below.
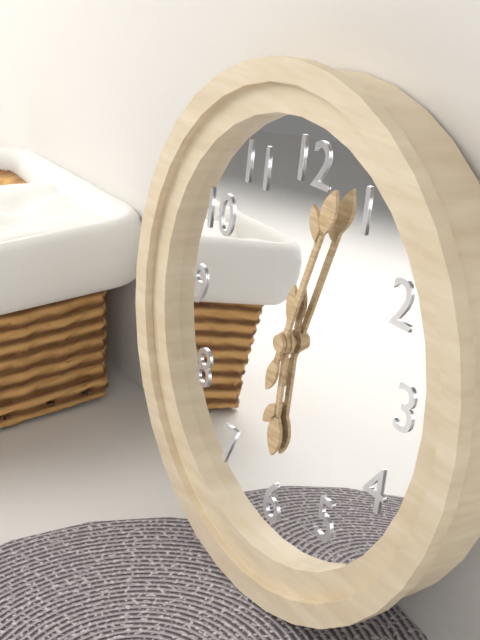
{"hour": 6, "minute": 3}
